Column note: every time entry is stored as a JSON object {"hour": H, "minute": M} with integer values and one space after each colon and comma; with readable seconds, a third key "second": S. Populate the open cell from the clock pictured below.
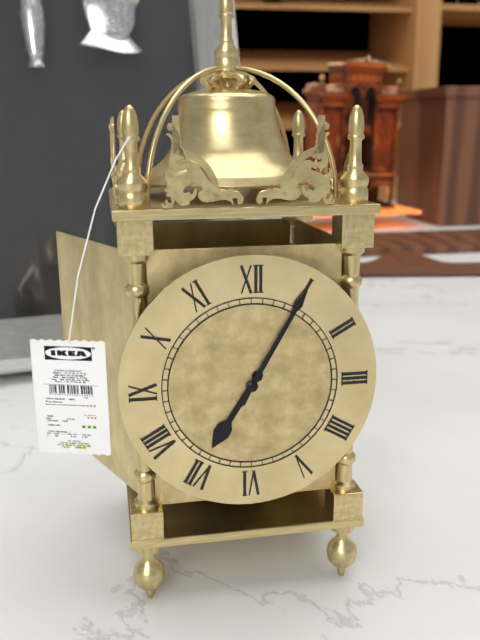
{"hour": 7, "minute": 5}
